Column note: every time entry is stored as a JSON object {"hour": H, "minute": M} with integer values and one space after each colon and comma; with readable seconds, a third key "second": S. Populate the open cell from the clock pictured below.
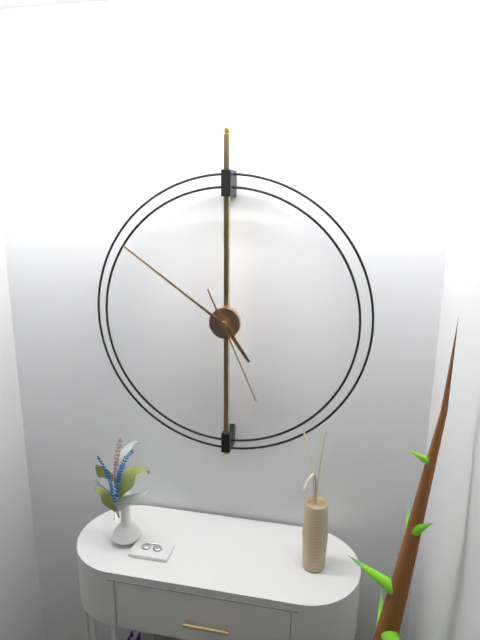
{"hour": 4, "minute": 51, "second": 26}
